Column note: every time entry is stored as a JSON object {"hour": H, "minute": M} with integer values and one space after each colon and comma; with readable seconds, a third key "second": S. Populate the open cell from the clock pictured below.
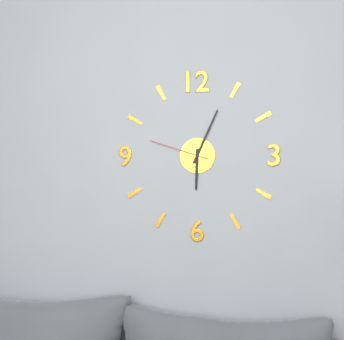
{"hour": 6, "minute": 4, "second": 48}
